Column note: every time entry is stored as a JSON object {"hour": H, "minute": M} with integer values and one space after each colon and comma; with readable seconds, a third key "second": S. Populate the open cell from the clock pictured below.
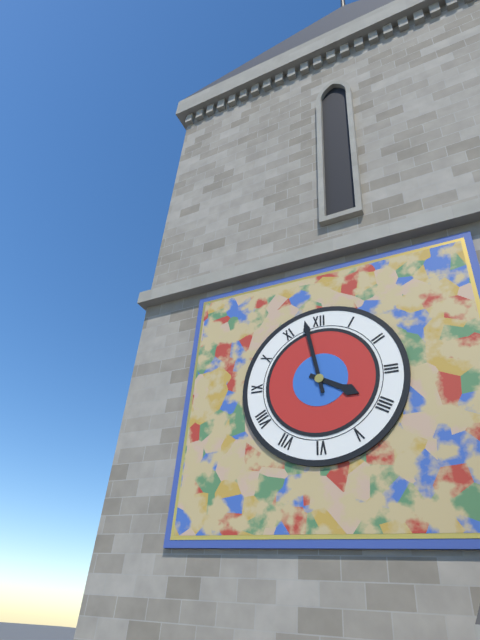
{"hour": 3, "minute": 58}
